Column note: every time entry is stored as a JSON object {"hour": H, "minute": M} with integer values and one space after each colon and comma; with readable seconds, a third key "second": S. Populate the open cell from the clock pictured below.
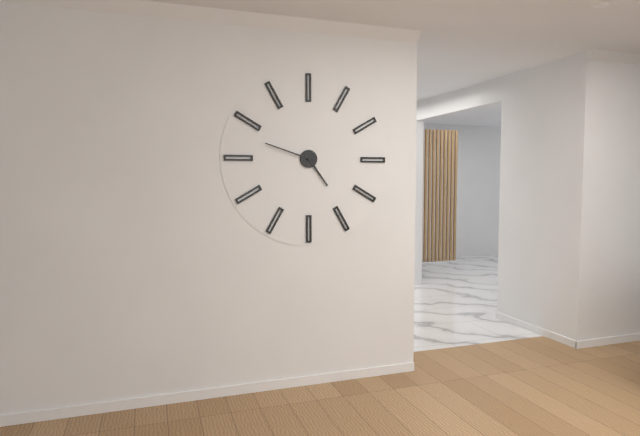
{"hour": 4, "minute": 48}
